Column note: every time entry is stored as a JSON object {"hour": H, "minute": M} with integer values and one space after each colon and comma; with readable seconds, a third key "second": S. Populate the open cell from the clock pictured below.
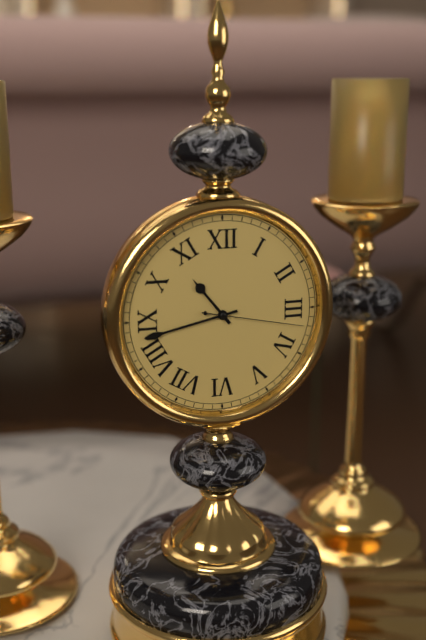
{"hour": 10, "minute": 43, "second": 17}
